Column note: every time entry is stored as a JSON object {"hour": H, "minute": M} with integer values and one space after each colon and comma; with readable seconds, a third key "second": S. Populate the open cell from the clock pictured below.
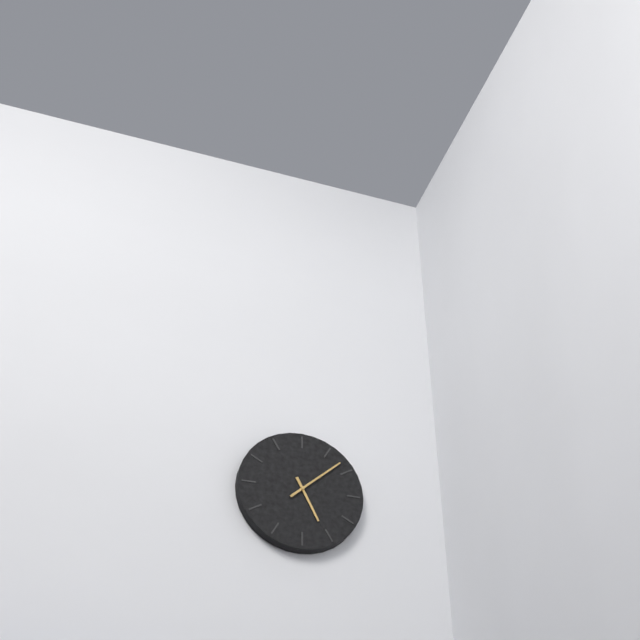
{"hour": 5, "minute": 8}
